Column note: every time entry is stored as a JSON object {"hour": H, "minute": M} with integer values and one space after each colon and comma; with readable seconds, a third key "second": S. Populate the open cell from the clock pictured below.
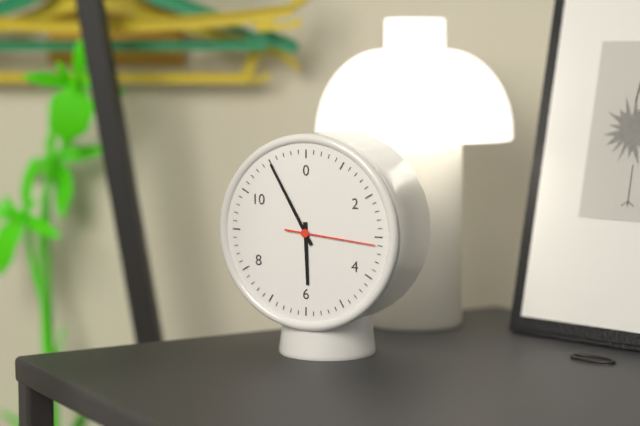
{"hour": 5, "minute": 55, "second": 16}
